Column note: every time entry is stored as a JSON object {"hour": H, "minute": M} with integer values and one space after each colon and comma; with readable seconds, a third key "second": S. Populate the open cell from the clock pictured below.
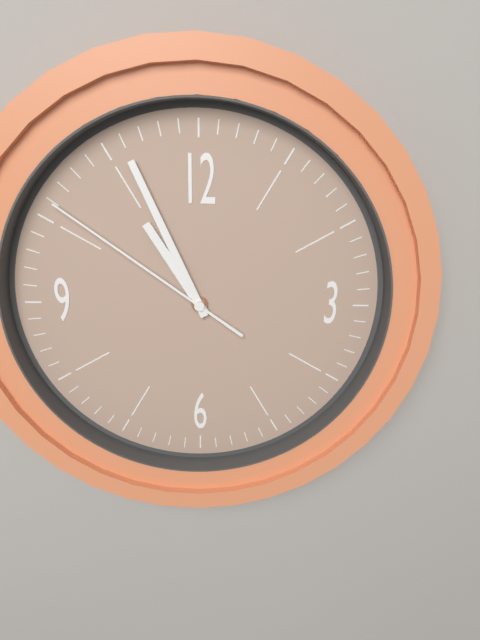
{"hour": 10, "minute": 56, "second": 51}
